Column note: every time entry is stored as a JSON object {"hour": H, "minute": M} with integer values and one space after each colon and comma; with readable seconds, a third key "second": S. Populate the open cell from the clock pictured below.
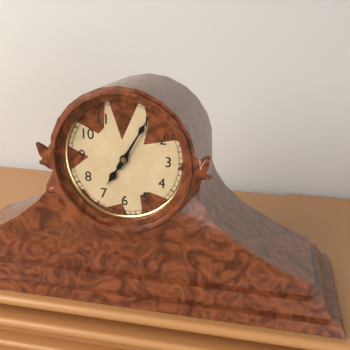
{"hour": 7, "minute": 5}
